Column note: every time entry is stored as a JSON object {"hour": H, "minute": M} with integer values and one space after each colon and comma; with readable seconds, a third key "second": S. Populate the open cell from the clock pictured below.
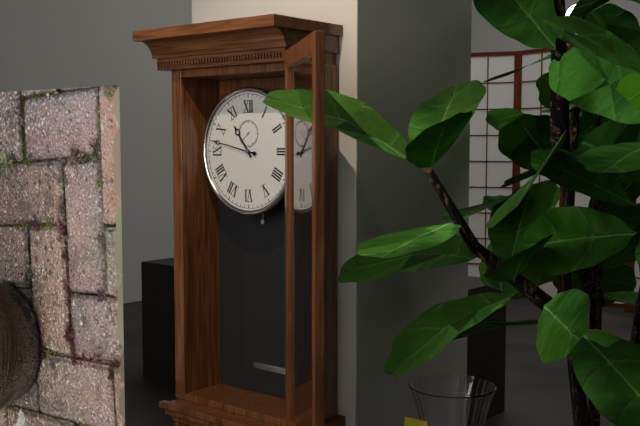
{"hour": 10, "minute": 47}
